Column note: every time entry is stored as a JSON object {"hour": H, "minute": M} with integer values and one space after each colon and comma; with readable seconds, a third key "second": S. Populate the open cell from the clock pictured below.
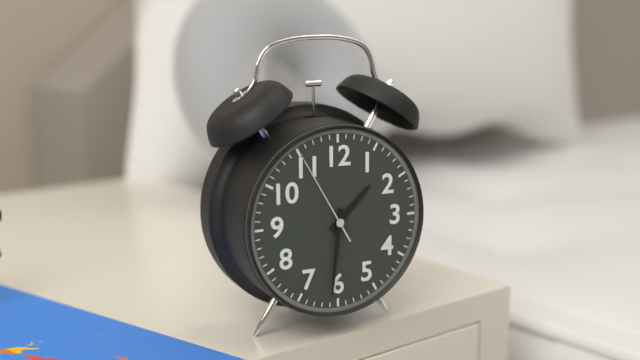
{"hour": 1, "minute": 31, "second": 55}
